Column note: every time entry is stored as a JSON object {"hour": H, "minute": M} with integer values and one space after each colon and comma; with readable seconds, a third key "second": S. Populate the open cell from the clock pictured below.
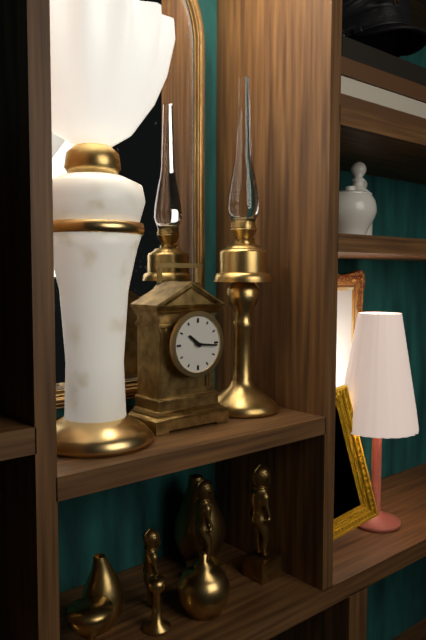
{"hour": 10, "minute": 16}
